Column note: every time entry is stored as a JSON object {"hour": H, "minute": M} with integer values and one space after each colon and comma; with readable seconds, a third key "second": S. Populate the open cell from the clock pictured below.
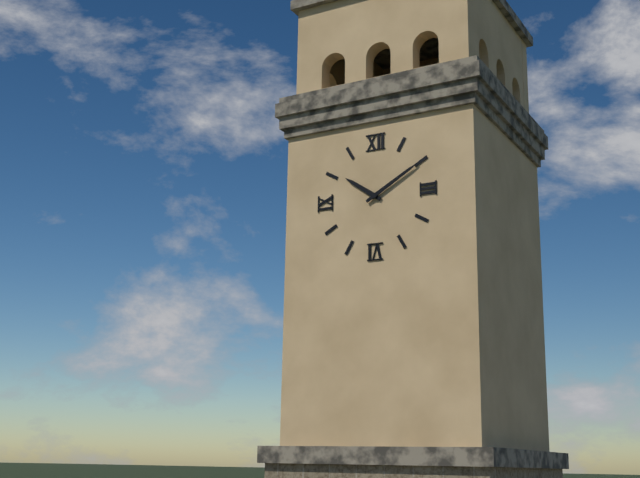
{"hour": 10, "minute": 10}
